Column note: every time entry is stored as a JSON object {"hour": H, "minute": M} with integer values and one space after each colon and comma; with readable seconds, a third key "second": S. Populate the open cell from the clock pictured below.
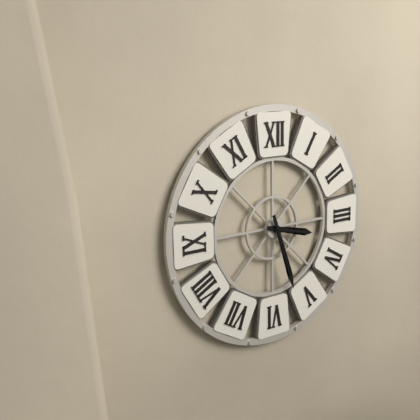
{"hour": 3, "minute": 27}
